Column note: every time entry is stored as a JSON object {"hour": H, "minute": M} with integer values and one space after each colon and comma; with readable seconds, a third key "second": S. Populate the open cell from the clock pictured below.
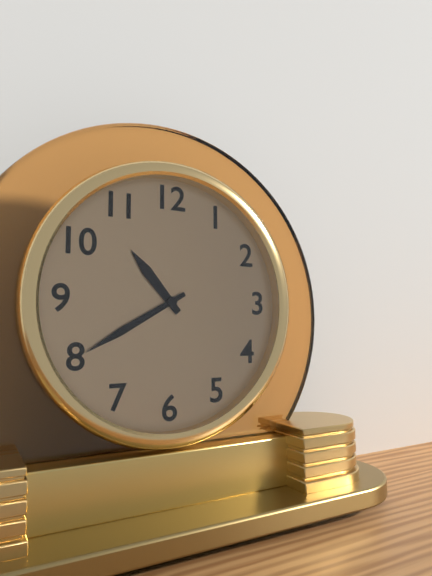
{"hour": 10, "minute": 40}
